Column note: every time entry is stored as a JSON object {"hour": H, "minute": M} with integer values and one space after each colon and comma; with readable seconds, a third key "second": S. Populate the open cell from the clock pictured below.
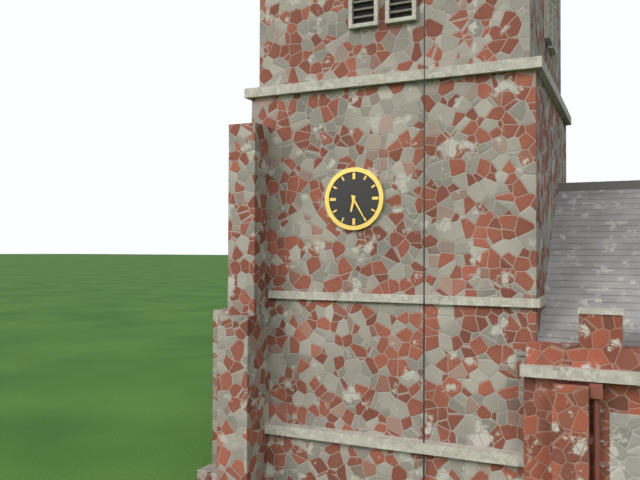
{"hour": 6, "minute": 25}
